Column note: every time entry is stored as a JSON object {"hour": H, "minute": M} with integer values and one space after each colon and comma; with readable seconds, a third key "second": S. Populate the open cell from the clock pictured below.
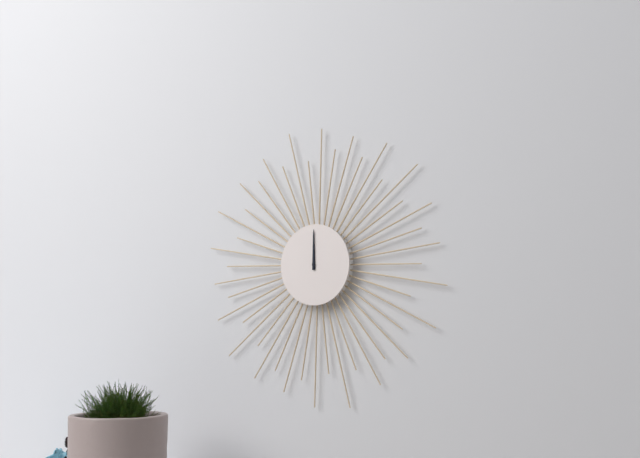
{"hour": 12, "minute": 0}
